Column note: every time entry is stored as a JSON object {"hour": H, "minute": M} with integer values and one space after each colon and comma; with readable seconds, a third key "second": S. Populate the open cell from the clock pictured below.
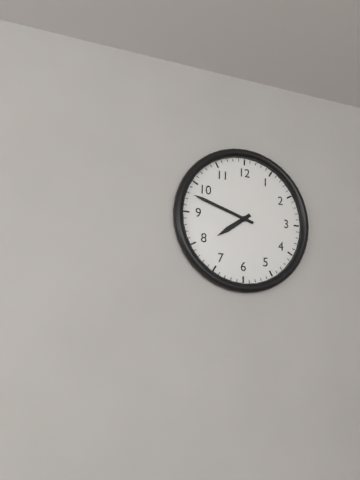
{"hour": 7, "minute": 48}
